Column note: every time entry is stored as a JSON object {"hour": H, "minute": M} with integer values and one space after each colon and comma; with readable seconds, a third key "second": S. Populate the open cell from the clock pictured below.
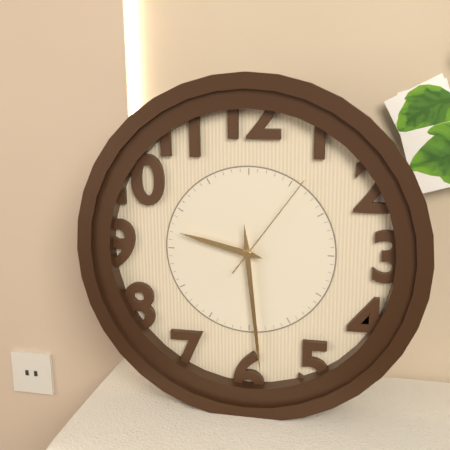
{"hour": 9, "minute": 29, "second": 6}
